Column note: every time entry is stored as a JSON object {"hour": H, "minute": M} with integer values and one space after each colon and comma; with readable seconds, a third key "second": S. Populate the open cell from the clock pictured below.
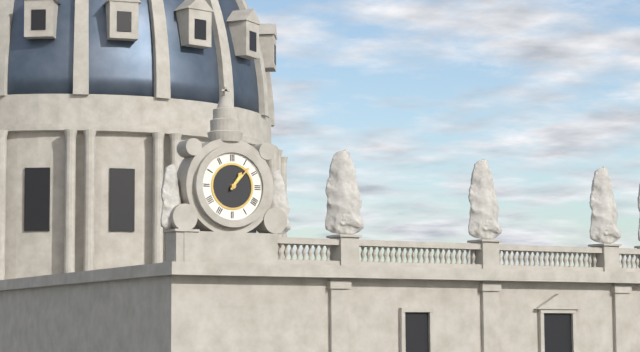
{"hour": 1, "minute": 7}
